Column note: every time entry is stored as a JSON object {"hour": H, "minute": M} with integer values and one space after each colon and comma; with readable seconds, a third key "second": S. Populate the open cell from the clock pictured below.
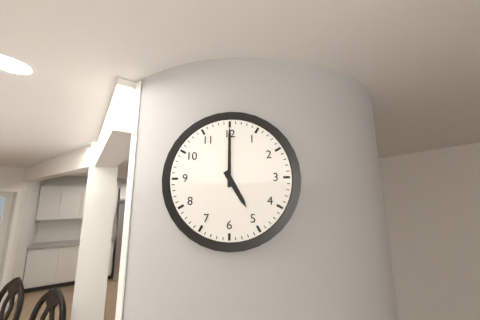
{"hour": 5, "minute": 0}
